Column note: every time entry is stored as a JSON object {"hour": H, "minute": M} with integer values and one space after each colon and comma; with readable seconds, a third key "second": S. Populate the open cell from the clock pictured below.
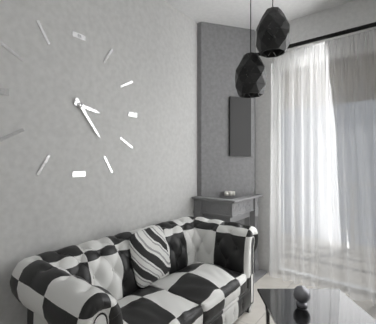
{"hour": 3, "minute": 24}
